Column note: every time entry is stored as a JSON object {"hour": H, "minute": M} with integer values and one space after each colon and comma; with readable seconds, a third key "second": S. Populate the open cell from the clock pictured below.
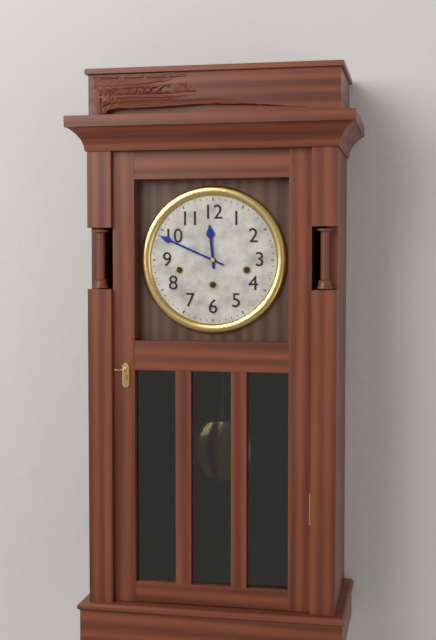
{"hour": 11, "minute": 49}
